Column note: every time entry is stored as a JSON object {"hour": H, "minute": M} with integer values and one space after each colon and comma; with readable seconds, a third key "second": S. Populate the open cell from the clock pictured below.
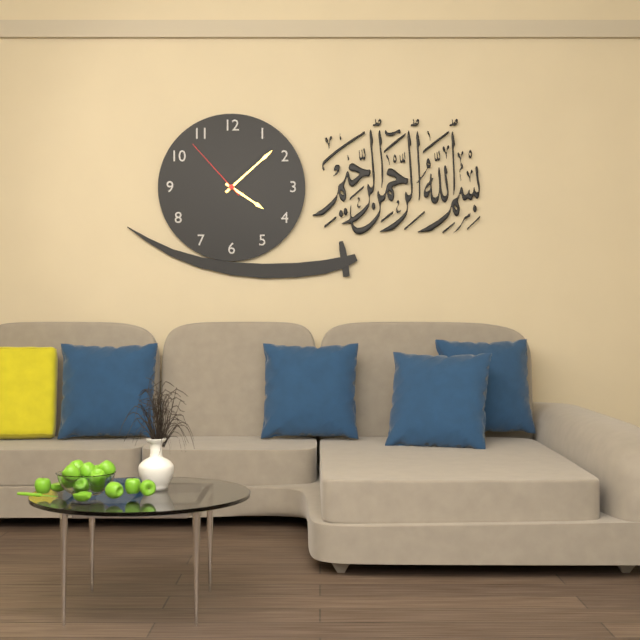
{"hour": 4, "minute": 8, "second": 53}
